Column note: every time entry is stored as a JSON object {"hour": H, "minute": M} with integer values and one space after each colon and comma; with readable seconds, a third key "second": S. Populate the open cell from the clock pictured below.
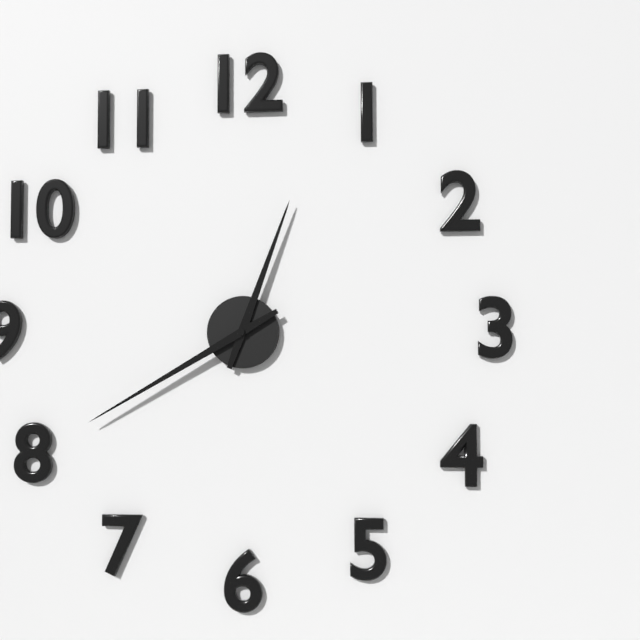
{"hour": 12, "minute": 40}
